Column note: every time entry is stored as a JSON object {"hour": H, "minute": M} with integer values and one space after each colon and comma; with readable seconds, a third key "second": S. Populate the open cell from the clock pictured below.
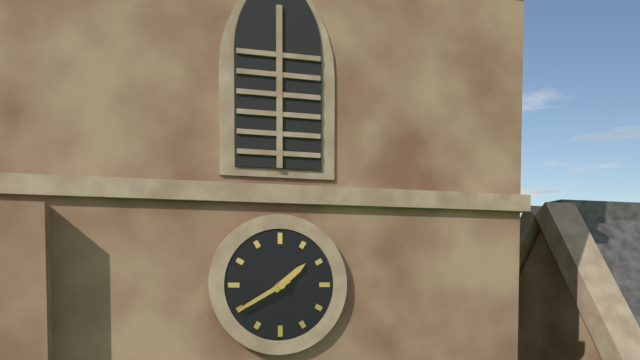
{"hour": 1, "minute": 40}
